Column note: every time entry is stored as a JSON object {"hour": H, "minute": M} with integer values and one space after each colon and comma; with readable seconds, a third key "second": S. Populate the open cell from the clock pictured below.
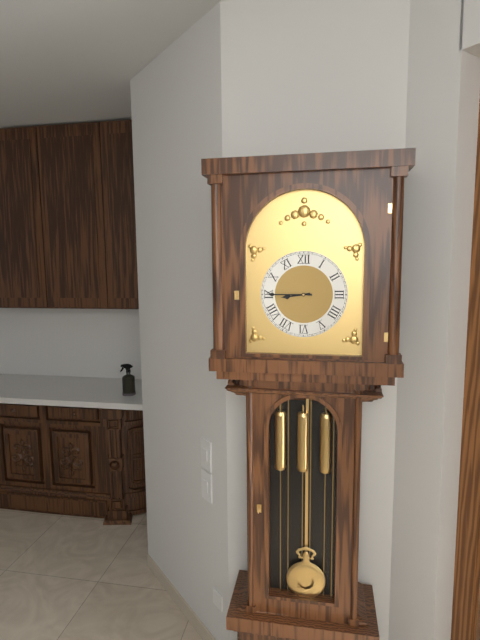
{"hour": 8, "minute": 45}
